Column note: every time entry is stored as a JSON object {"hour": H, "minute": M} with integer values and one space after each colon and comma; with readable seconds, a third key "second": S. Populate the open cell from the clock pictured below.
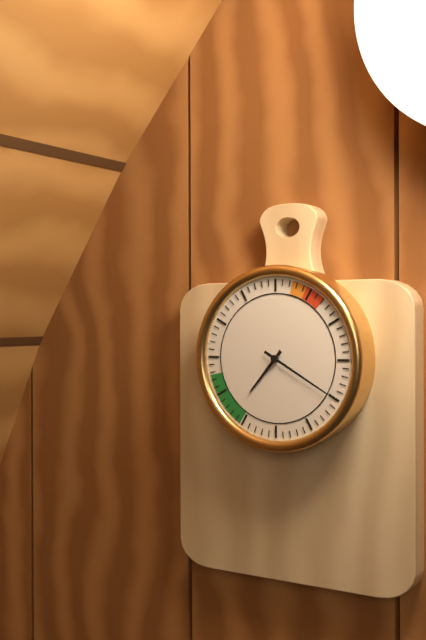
{"hour": 7, "minute": 20}
